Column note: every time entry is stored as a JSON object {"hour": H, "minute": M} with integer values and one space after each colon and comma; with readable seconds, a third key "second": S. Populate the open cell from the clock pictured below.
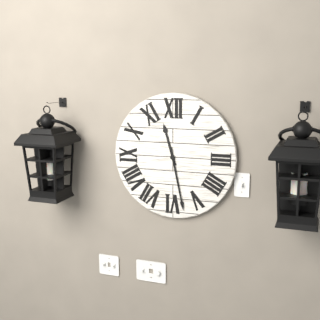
{"hour": 11, "minute": 28}
